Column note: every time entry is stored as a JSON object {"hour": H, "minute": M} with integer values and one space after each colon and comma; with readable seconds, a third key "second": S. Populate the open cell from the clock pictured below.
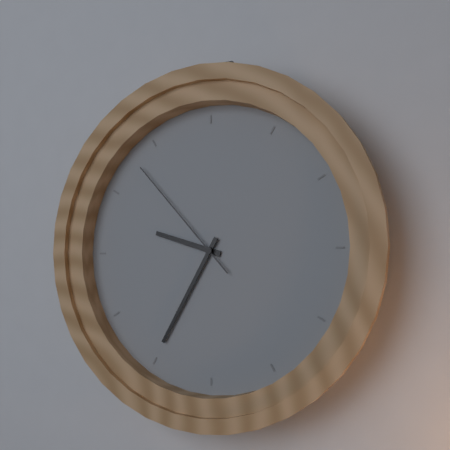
{"hour": 9, "minute": 35, "second": 53}
